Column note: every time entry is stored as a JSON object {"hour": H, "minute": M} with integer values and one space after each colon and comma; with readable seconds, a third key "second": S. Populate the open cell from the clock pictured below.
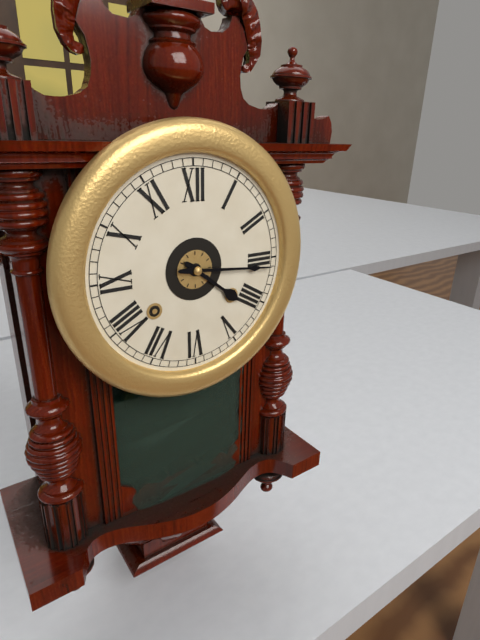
{"hour": 4, "minute": 16}
